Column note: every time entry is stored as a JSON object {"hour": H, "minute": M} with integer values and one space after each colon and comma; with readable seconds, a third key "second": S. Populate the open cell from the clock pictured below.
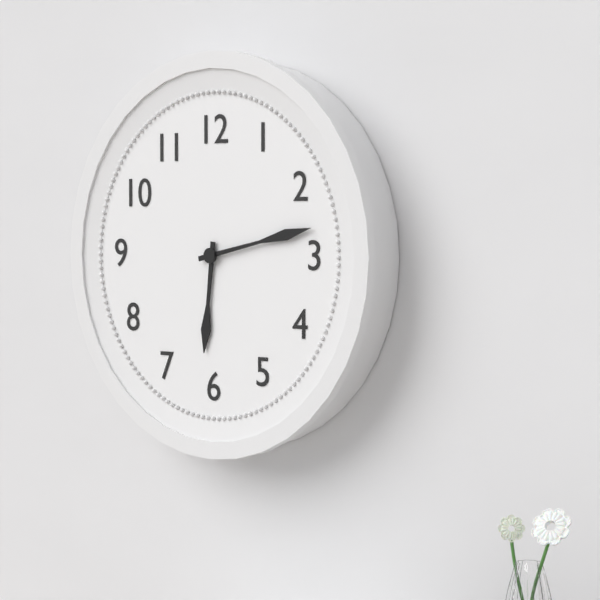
{"hour": 6, "minute": 13}
